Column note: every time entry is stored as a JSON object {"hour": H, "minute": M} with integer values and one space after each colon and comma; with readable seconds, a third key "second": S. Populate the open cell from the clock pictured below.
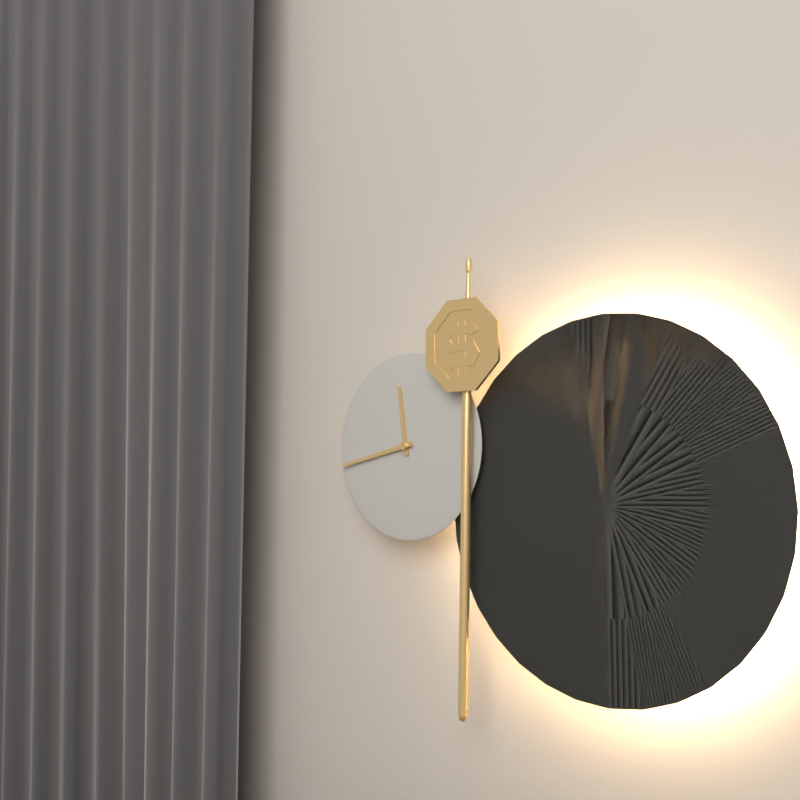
{"hour": 11, "minute": 43}
